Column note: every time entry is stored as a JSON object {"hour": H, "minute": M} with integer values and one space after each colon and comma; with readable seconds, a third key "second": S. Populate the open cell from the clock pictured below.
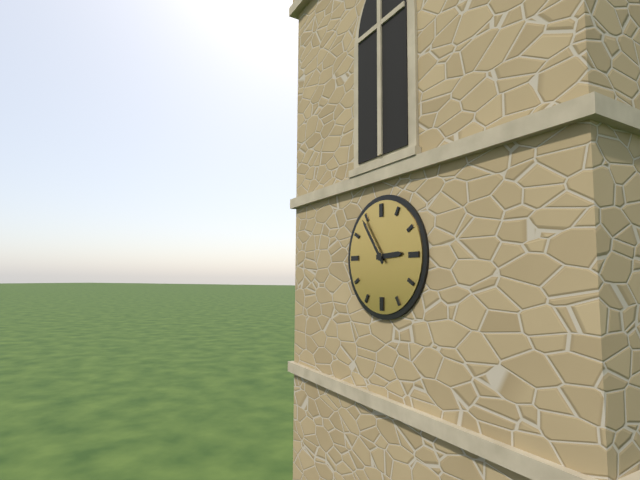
{"hour": 2, "minute": 54}
